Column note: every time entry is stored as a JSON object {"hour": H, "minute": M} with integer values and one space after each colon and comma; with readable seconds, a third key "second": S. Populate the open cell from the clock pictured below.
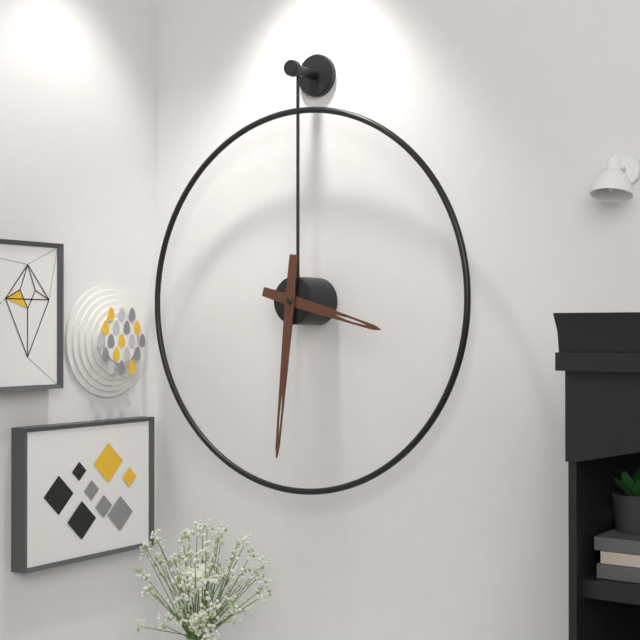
{"hour": 3, "minute": 31}
